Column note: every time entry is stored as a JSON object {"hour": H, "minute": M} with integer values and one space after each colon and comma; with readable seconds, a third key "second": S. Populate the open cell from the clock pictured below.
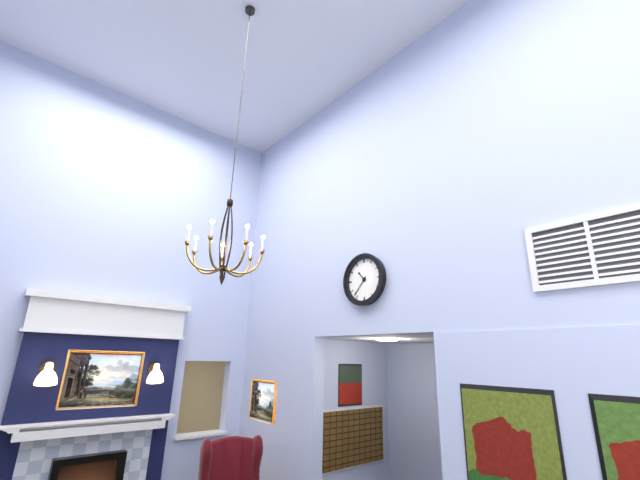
{"hour": 10, "minute": 37}
